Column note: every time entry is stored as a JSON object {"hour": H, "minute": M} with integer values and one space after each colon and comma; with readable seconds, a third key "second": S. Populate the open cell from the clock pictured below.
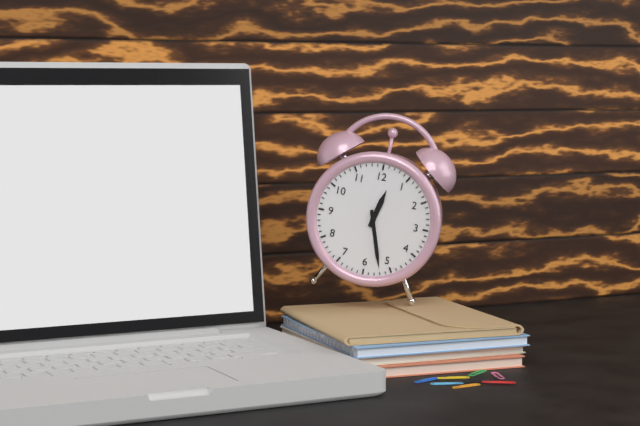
{"hour": 12, "minute": 27}
